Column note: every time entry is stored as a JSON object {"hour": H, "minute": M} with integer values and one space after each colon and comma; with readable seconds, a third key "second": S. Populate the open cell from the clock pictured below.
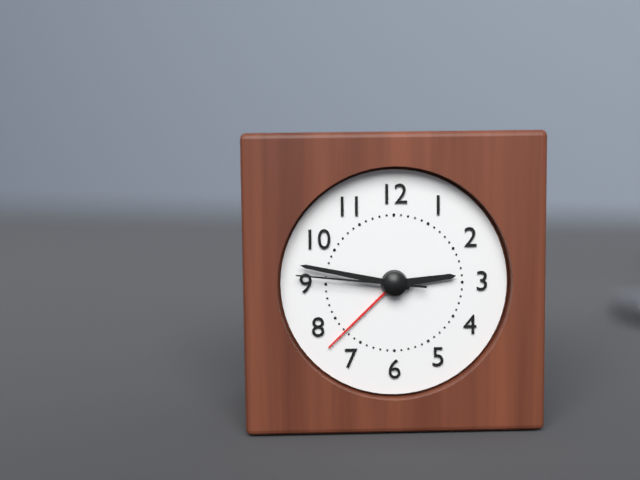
{"hour": 2, "minute": 47, "second": 46}
